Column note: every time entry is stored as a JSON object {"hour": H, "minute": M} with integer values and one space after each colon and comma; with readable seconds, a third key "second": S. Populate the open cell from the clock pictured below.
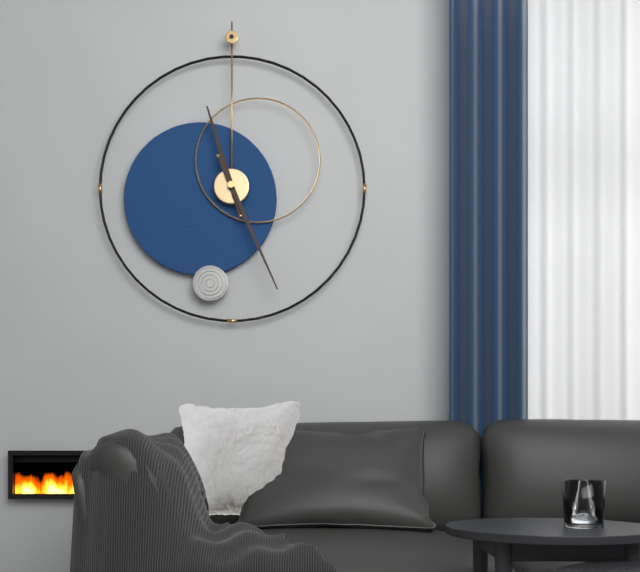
{"hour": 11, "minute": 26}
